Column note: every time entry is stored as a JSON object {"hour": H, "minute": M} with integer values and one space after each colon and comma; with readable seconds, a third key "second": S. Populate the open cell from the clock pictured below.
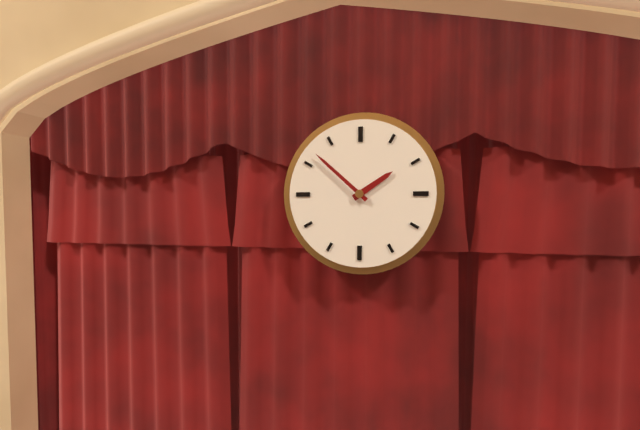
{"hour": 1, "minute": 52}
